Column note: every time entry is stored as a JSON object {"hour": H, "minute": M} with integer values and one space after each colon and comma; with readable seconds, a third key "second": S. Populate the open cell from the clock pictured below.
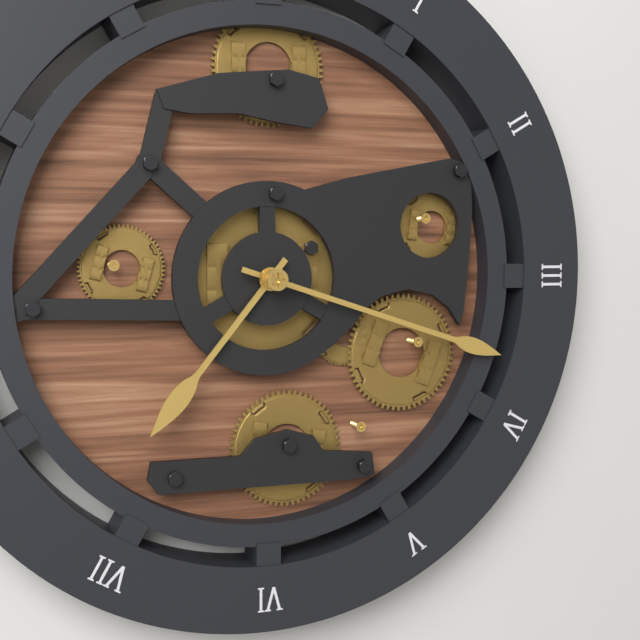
{"hour": 7, "minute": 18}
